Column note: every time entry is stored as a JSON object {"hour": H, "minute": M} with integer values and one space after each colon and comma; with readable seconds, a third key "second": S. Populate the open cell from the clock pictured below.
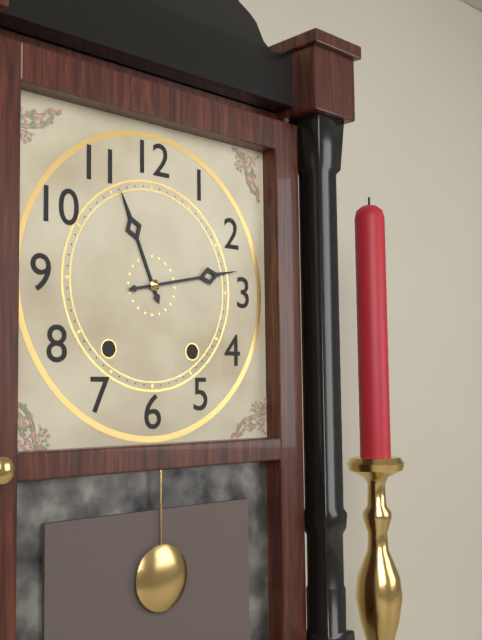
{"hour": 11, "minute": 13}
